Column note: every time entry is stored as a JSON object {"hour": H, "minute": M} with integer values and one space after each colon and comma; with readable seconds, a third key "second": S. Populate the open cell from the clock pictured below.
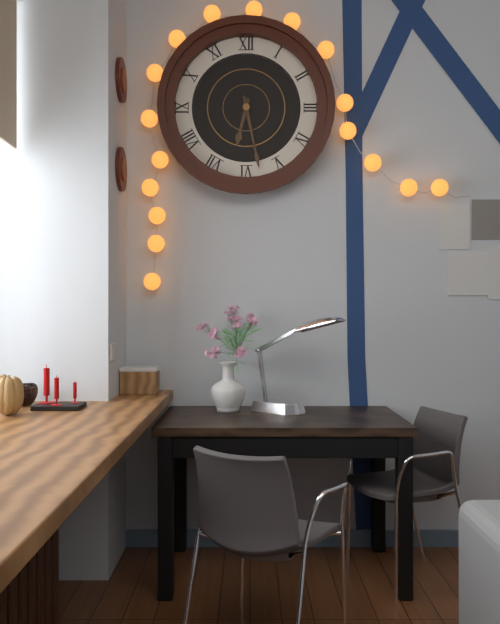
{"hour": 6, "minute": 28}
